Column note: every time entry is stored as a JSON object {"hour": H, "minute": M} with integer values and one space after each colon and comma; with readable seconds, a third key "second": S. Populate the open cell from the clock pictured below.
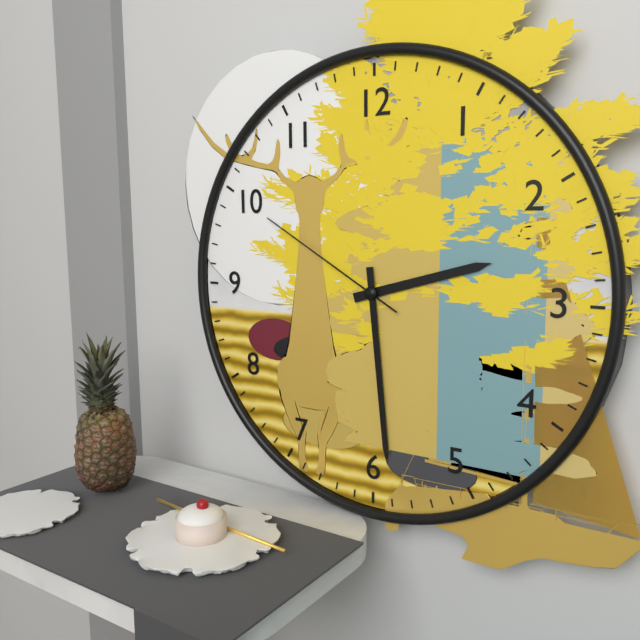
{"hour": 2, "minute": 29, "second": 50}
